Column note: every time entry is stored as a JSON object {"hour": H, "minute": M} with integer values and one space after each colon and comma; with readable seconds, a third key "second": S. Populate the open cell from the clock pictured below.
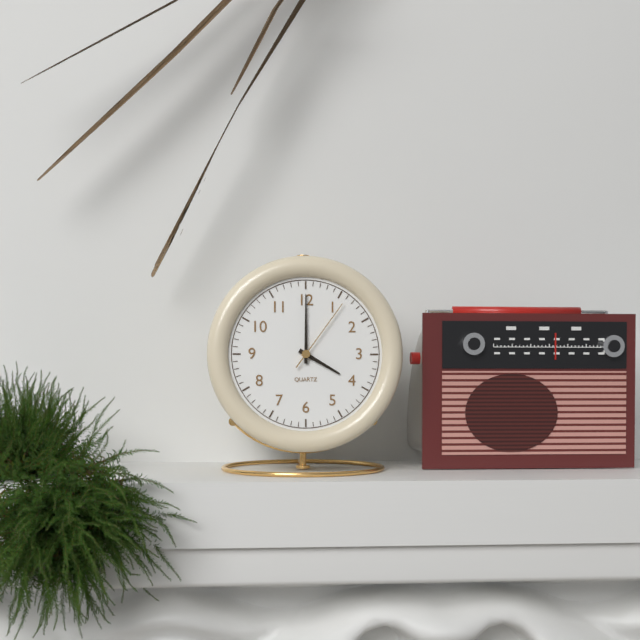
{"hour": 4, "minute": 0, "second": 6}
